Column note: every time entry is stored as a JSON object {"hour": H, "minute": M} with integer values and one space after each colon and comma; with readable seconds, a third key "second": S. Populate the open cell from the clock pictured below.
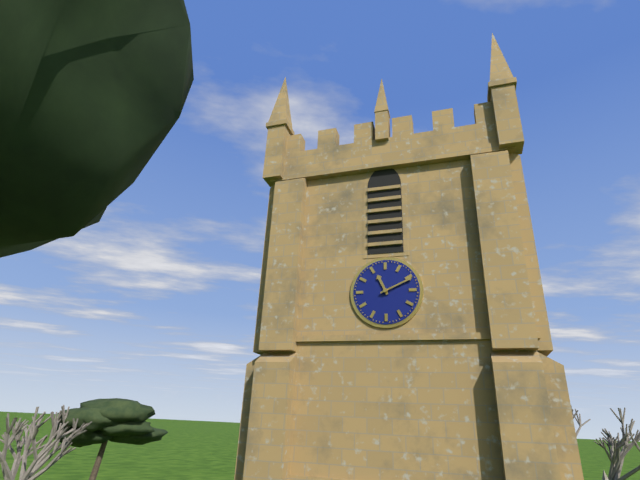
{"hour": 11, "minute": 11}
